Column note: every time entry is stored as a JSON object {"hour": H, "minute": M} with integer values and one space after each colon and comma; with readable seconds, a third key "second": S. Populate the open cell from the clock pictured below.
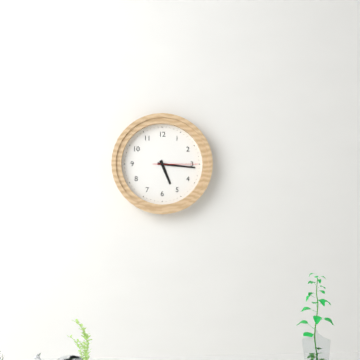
{"hour": 5, "minute": 16}
